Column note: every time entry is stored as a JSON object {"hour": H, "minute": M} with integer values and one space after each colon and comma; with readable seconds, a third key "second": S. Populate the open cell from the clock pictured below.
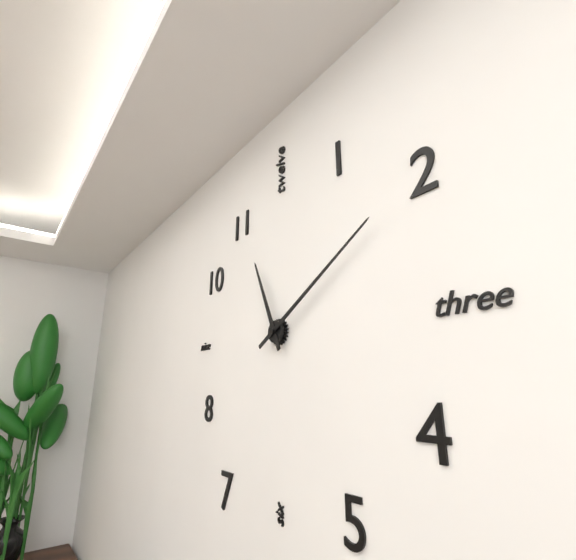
{"hour": 11, "minute": 10}
